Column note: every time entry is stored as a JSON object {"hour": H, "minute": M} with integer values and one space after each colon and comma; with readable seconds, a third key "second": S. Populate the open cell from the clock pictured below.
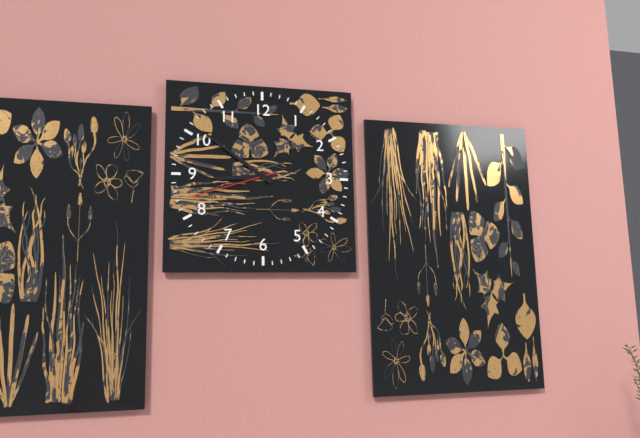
{"hour": 8, "minute": 51, "second": 42}
